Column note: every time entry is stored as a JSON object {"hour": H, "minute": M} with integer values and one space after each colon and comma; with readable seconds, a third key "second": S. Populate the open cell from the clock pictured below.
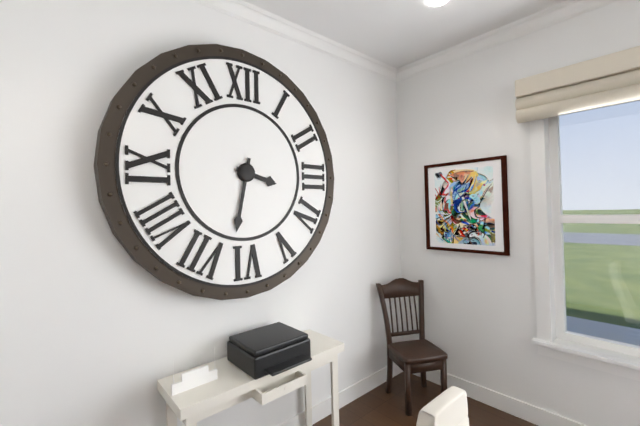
{"hour": 3, "minute": 32}
